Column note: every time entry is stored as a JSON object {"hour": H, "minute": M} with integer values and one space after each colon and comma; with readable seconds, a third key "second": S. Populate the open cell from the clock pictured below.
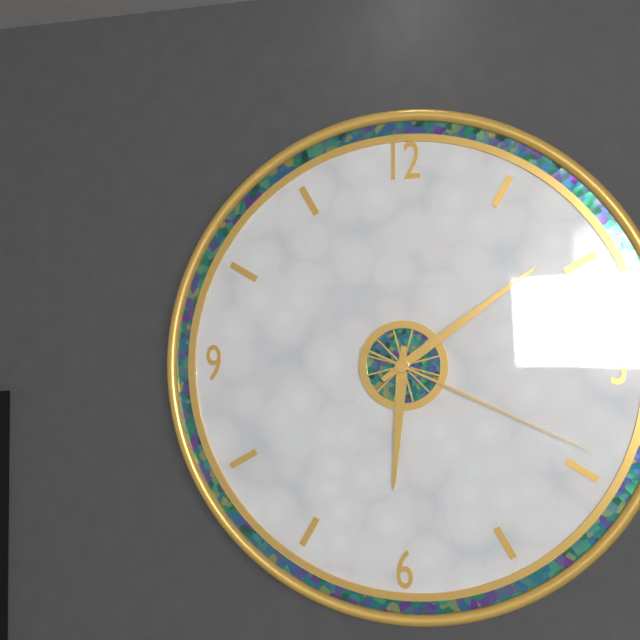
{"hour": 6, "minute": 9, "second": 19}
